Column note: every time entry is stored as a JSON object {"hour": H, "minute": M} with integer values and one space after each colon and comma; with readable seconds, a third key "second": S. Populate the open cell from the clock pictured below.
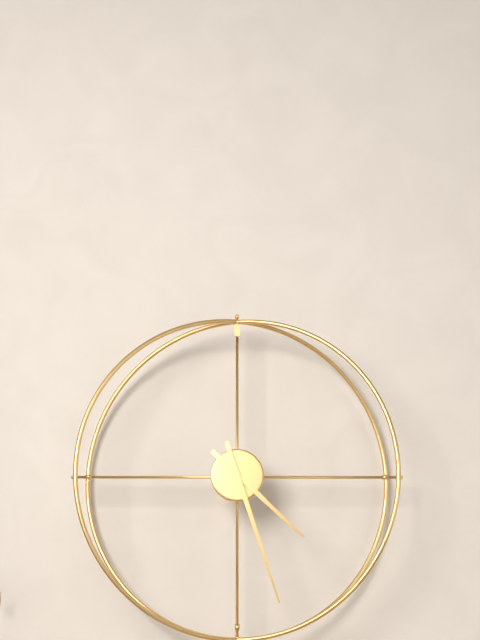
{"hour": 4, "minute": 27}
